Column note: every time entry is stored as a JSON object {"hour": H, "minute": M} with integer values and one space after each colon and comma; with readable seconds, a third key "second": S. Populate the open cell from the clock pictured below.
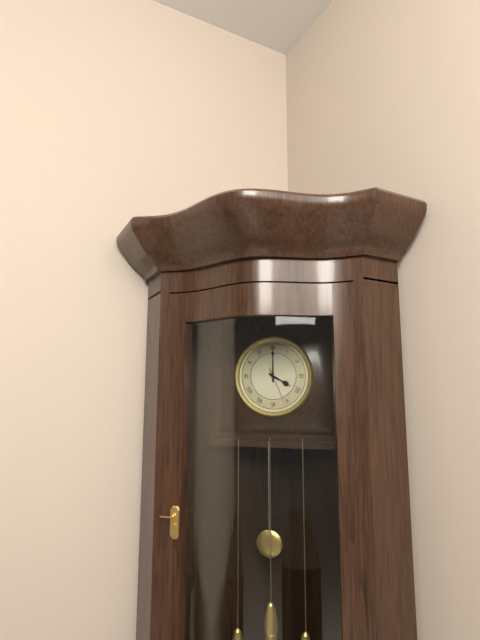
{"hour": 4, "minute": 0}
